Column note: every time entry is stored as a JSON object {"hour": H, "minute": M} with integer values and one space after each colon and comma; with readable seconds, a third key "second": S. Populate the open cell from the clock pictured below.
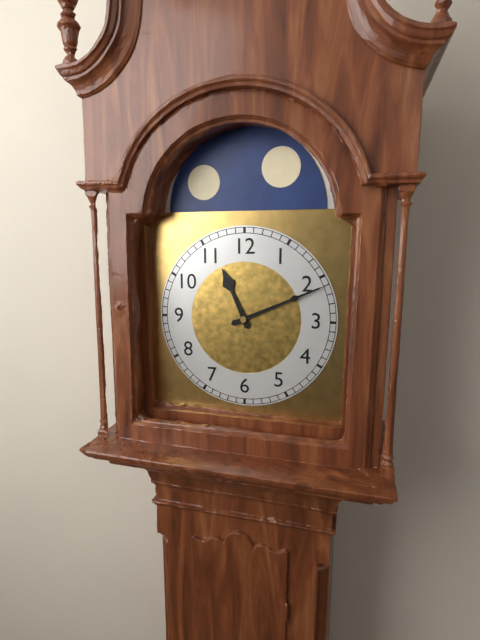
{"hour": 11, "minute": 11}
